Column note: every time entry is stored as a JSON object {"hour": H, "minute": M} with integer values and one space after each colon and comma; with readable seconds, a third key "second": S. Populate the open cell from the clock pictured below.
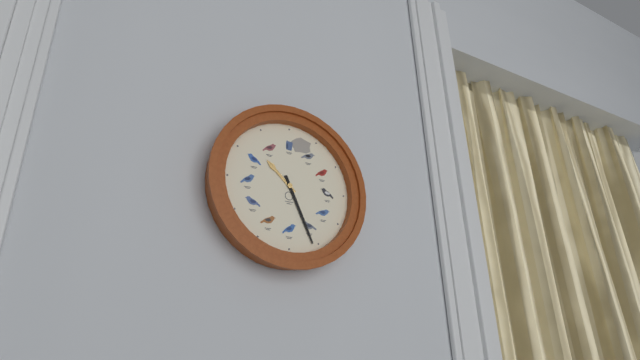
{"hour": 10, "minute": 26}
